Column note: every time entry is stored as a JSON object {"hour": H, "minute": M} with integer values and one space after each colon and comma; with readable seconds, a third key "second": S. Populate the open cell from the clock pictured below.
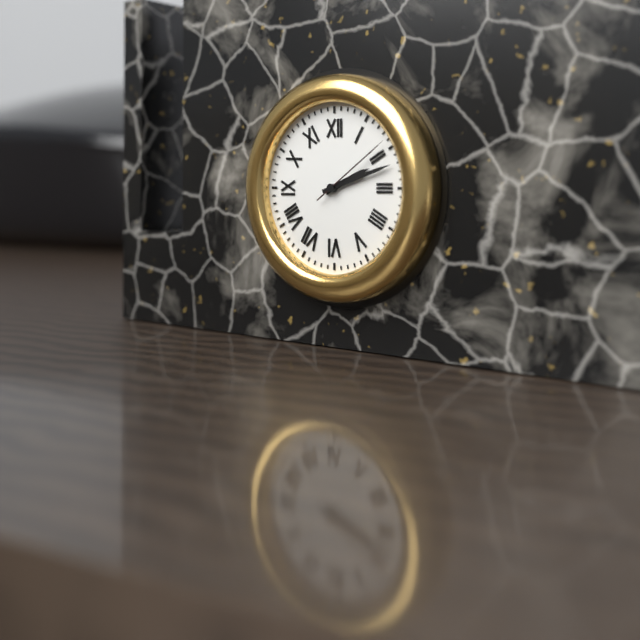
{"hour": 2, "minute": 12, "second": 9}
